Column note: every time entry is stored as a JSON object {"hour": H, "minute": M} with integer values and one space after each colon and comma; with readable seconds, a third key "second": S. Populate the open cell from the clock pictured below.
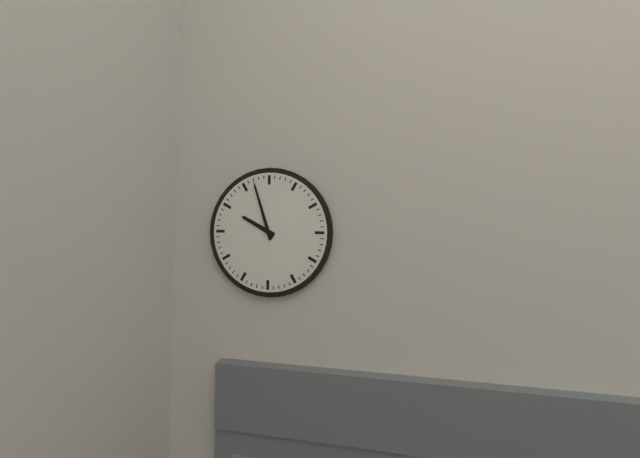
{"hour": 9, "minute": 57}
